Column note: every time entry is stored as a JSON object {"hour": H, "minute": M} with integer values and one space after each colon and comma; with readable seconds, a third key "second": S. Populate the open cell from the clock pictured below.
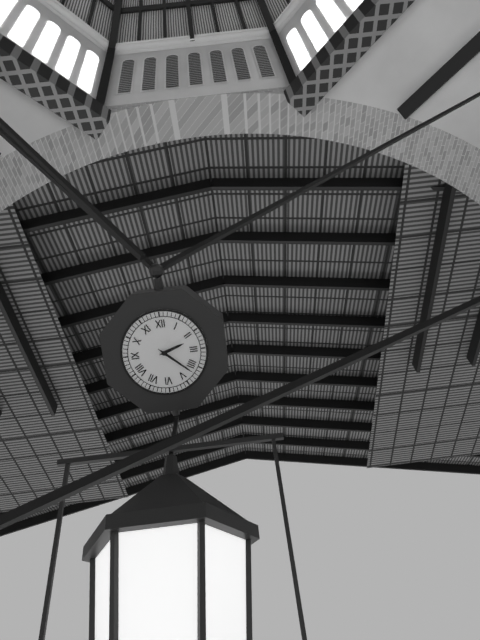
{"hour": 2, "minute": 22}
